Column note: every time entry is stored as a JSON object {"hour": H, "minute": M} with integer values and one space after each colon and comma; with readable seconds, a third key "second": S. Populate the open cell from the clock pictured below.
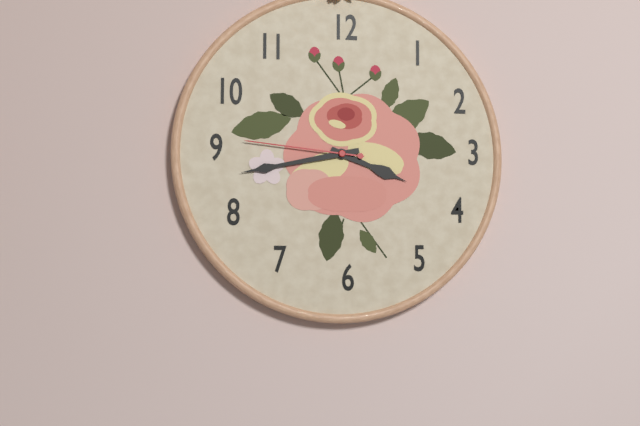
{"hour": 3, "minute": 43, "second": 46}
